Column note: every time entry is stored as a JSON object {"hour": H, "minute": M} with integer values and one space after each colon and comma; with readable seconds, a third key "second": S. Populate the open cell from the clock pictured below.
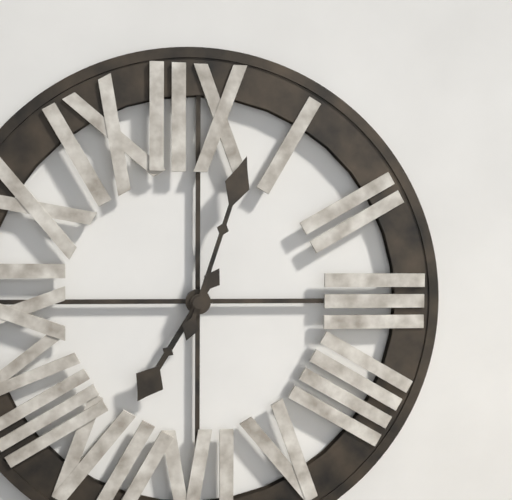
{"hour": 7, "minute": 3}
